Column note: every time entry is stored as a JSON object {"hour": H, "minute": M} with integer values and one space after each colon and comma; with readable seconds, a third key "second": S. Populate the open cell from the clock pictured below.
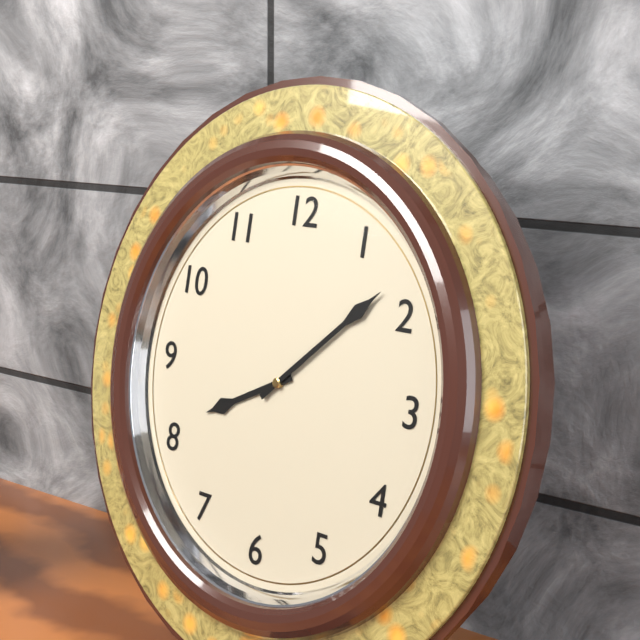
{"hour": 8, "minute": 8}
